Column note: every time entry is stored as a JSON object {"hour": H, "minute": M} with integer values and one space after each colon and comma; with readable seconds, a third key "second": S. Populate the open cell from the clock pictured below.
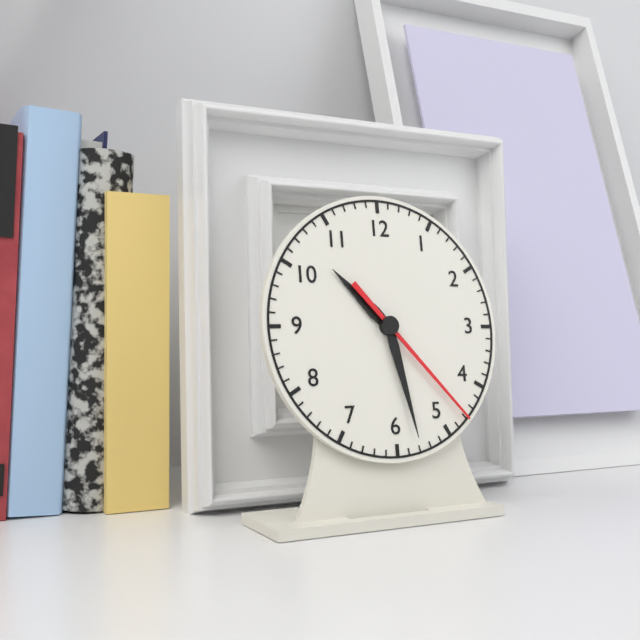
{"hour": 10, "minute": 28, "second": 23}
